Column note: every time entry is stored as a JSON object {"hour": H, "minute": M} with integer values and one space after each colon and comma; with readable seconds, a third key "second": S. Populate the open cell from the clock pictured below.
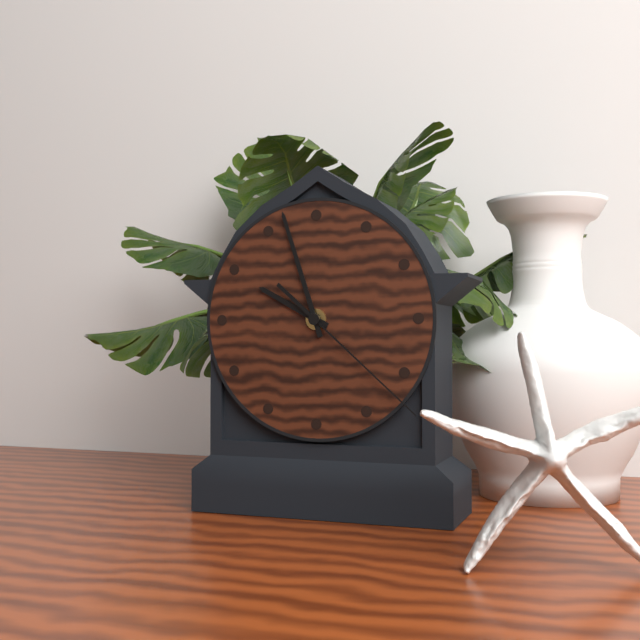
{"hour": 9, "minute": 57, "second": 22}
